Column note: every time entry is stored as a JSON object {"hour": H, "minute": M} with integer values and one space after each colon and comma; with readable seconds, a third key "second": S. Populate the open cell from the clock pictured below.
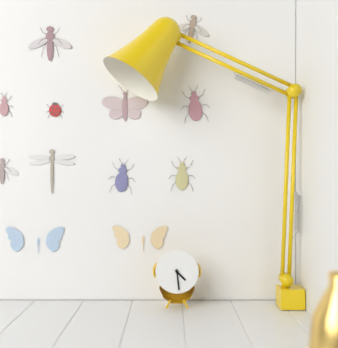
{"hour": 4, "minute": 29}
